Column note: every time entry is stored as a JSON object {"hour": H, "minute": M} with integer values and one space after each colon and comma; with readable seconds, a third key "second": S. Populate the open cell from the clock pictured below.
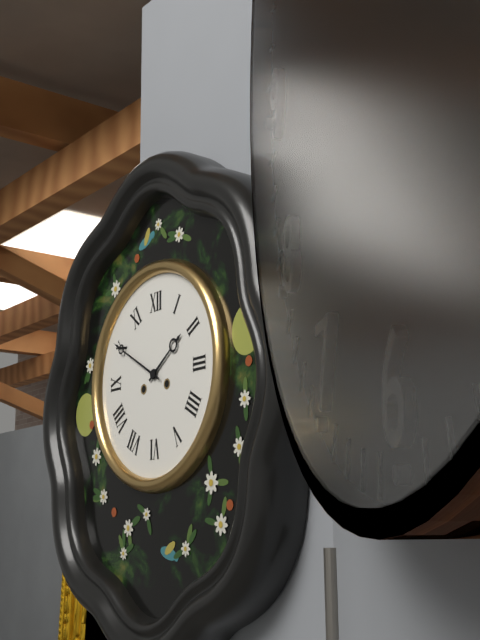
{"hour": 1, "minute": 50}
